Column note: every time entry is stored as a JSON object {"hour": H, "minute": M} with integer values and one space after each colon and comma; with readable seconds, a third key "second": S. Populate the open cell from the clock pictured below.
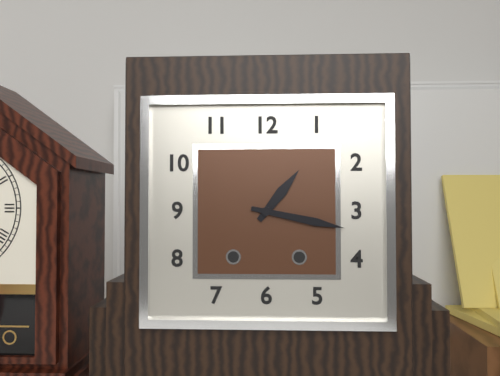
{"hour": 1, "minute": 17}
